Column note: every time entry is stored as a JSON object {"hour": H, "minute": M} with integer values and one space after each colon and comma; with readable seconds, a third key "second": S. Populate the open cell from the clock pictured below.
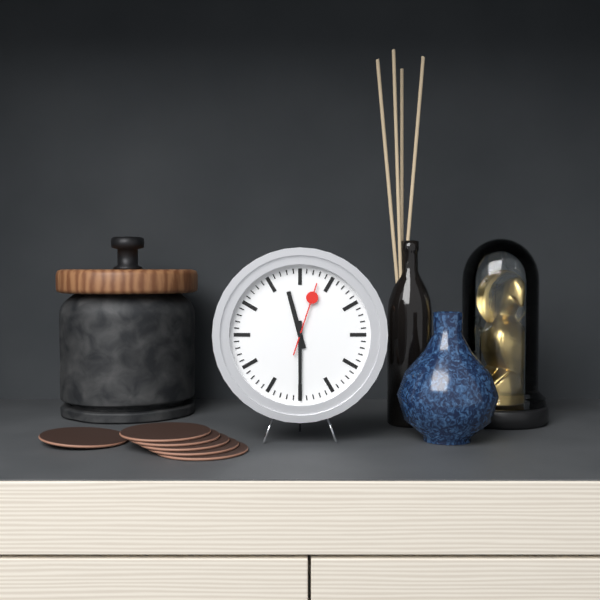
{"hour": 11, "minute": 30, "second": 3}
